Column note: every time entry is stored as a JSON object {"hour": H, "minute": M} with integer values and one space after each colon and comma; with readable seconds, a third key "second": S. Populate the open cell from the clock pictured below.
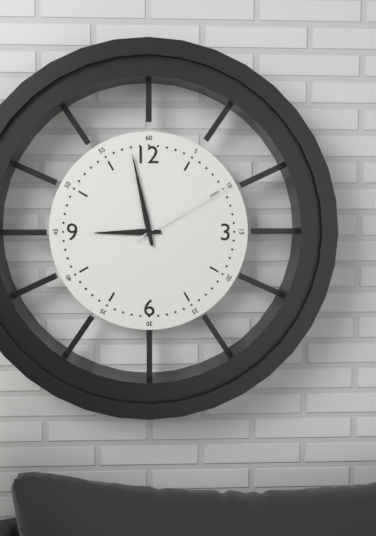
{"hour": 8, "minute": 58, "second": 10}
